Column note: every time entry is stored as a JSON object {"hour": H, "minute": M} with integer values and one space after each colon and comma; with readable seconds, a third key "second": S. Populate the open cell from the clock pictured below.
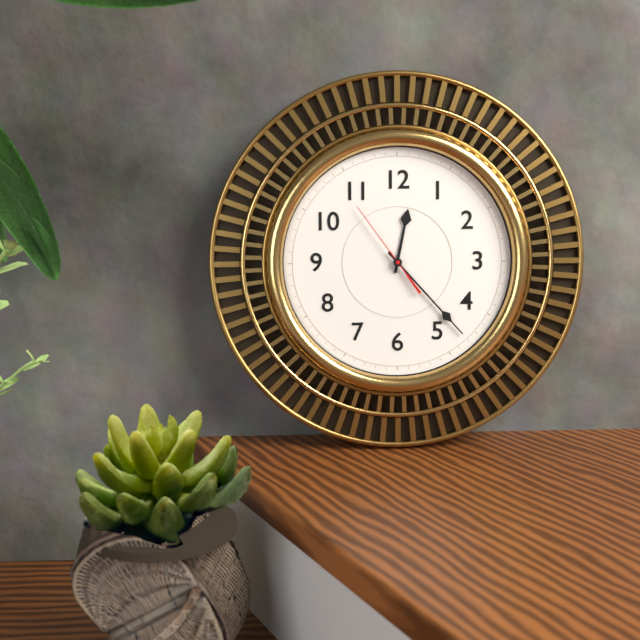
{"hour": 12, "minute": 23, "second": 54}
